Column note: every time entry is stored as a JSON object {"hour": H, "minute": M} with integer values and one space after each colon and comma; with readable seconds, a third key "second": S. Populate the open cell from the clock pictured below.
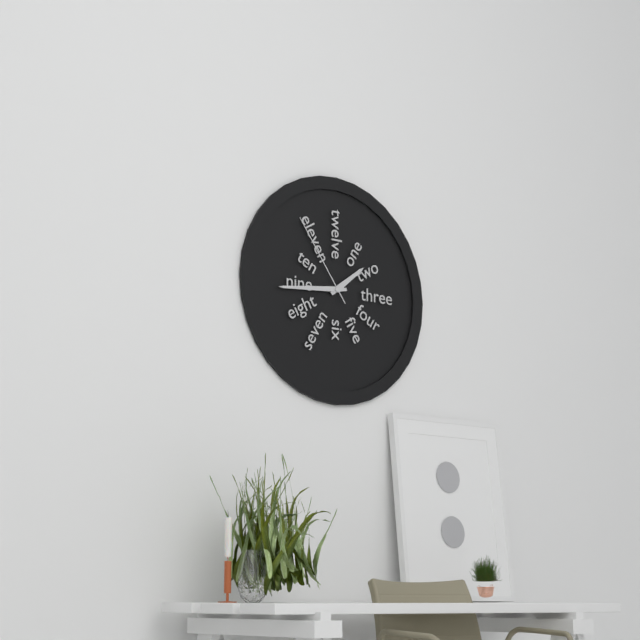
{"hour": 1, "minute": 44, "second": 54}
